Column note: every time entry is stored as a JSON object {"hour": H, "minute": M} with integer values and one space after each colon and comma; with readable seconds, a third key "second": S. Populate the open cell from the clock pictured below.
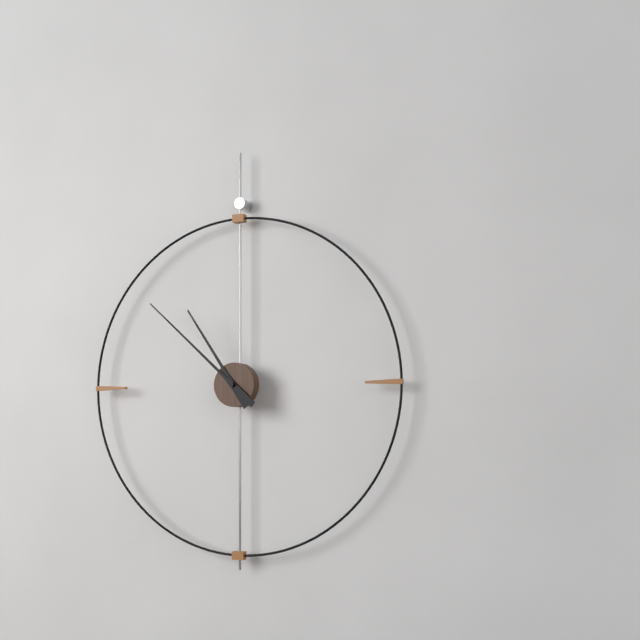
{"hour": 10, "minute": 52}
